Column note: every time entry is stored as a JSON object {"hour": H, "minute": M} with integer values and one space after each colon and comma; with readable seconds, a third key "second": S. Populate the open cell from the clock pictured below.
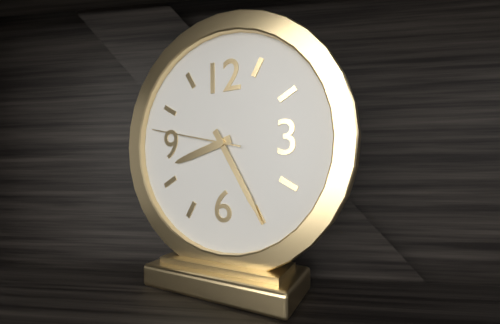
{"hour": 8, "minute": 25, "second": 47}
